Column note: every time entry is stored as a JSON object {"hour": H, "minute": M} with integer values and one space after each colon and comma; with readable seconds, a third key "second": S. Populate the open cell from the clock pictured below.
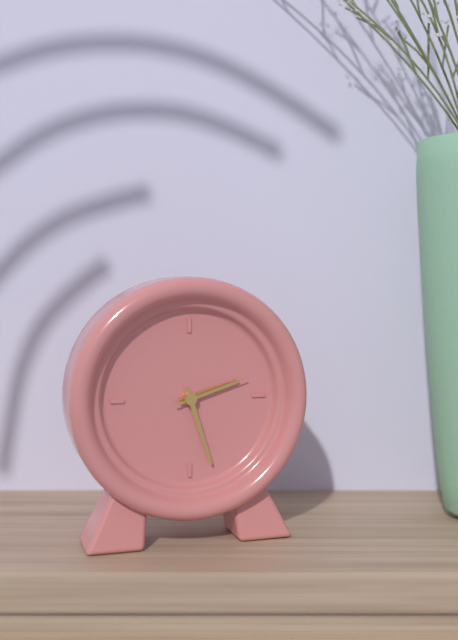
{"hour": 2, "minute": 27, "second": 12}
